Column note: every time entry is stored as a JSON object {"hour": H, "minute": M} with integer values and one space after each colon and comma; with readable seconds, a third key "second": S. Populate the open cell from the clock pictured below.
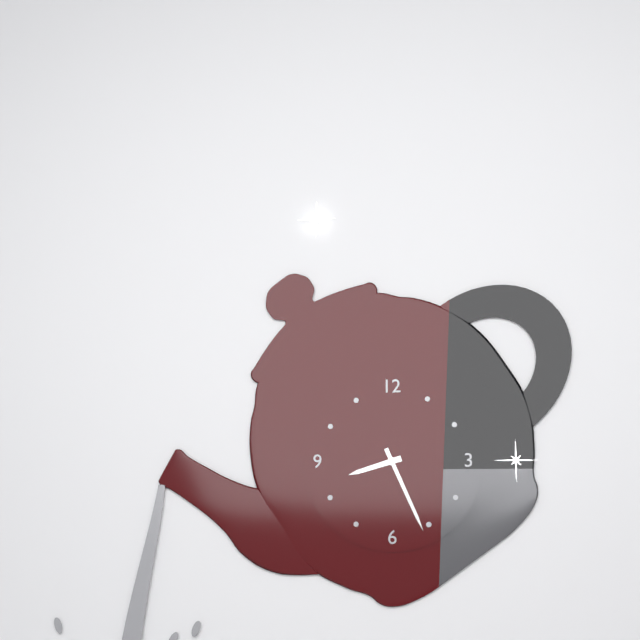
{"hour": 8, "minute": 26}
